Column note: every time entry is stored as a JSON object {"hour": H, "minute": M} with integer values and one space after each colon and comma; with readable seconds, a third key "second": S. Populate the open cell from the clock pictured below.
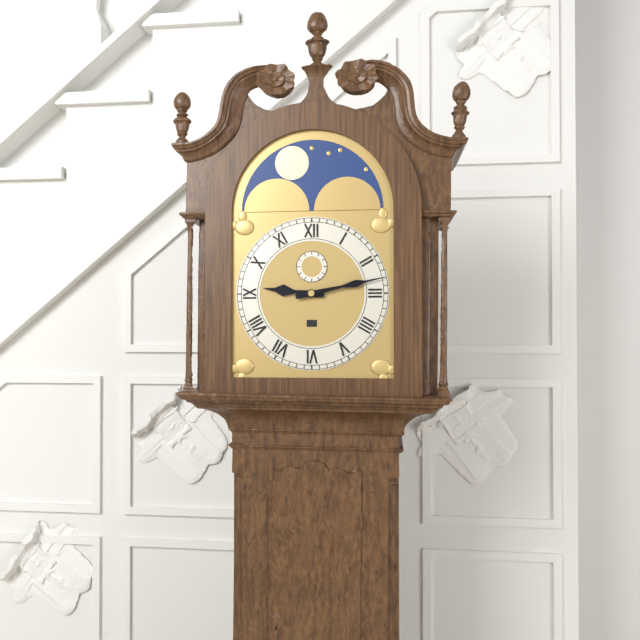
{"hour": 9, "minute": 13}
